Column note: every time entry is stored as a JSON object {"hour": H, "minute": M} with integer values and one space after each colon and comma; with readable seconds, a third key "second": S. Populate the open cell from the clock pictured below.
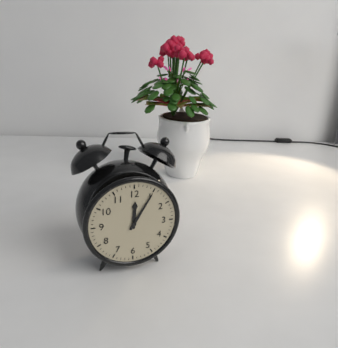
{"hour": 12, "minute": 5}
